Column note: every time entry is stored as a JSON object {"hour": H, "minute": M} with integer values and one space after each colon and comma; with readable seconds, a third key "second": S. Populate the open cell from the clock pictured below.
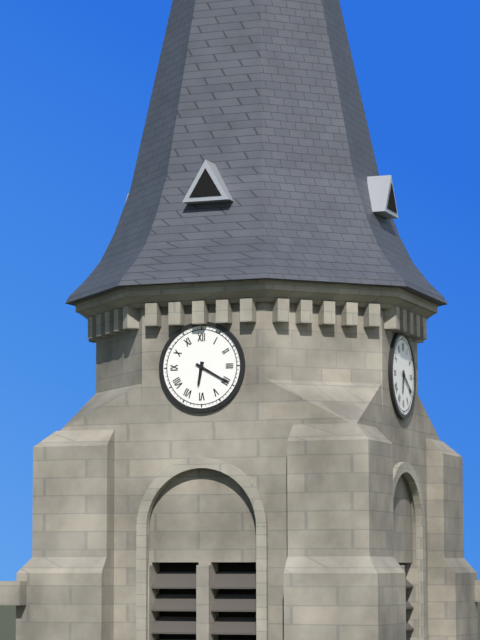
{"hour": 6, "minute": 20}
